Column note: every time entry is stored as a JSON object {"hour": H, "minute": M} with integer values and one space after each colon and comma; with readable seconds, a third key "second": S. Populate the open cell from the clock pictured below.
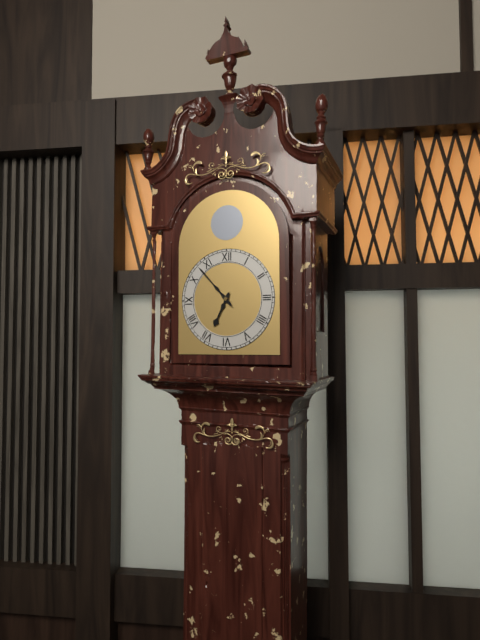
{"hour": 6, "minute": 53}
